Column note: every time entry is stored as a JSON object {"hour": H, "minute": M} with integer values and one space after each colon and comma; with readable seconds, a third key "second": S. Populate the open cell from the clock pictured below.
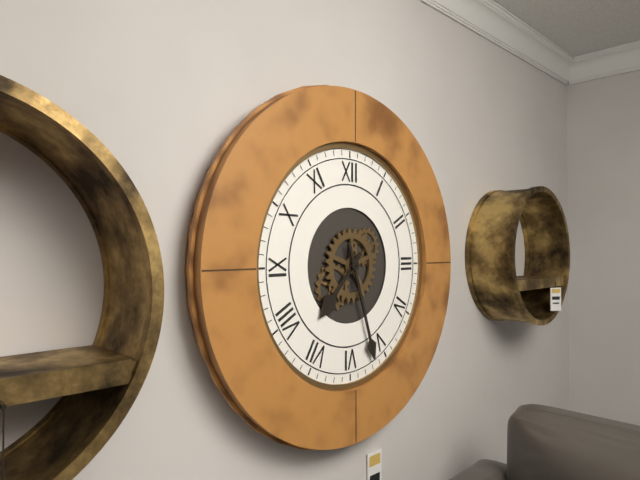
{"hour": 7, "minute": 27}
